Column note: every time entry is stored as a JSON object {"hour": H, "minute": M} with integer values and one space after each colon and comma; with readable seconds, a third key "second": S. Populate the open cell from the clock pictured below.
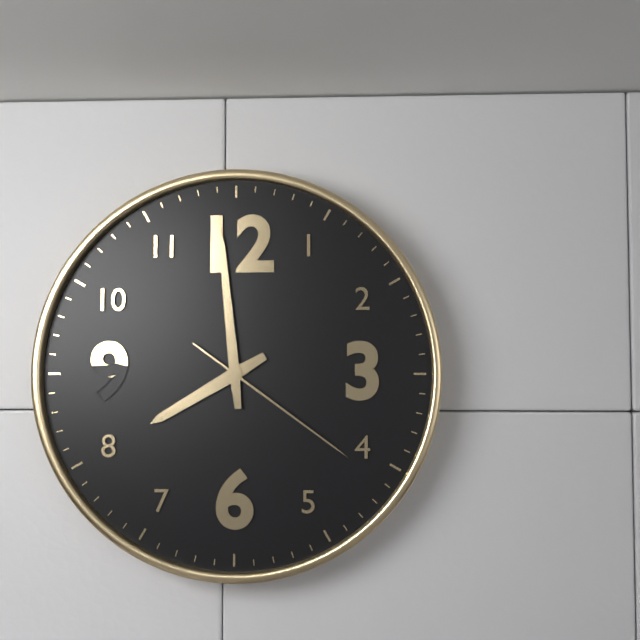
{"hour": 7, "minute": 59, "second": 21}
